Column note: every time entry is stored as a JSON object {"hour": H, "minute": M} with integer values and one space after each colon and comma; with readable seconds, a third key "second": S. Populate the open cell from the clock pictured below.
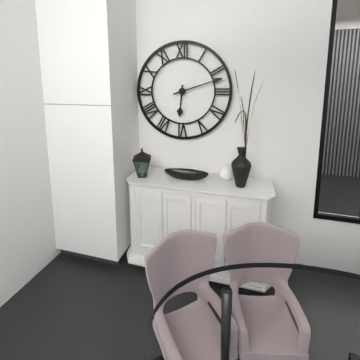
{"hour": 6, "minute": 12}
